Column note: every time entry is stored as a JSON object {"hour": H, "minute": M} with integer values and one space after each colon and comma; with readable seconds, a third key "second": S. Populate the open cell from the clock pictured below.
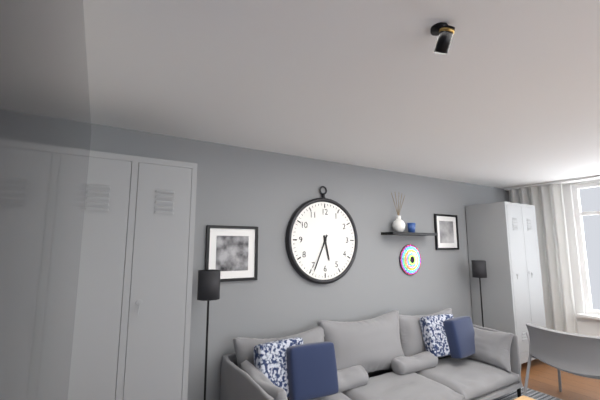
{"hour": 5, "minute": 34}
